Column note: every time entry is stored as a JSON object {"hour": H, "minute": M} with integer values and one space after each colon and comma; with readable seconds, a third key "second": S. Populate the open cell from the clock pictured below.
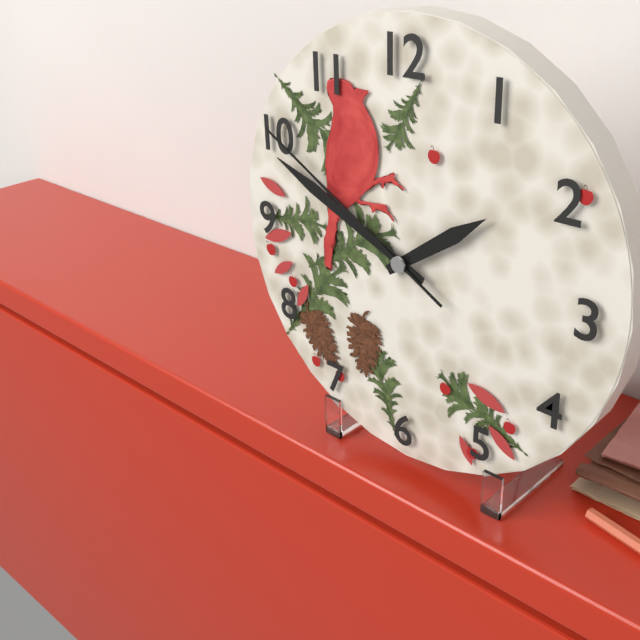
{"hour": 1, "minute": 49, "second": 50}
